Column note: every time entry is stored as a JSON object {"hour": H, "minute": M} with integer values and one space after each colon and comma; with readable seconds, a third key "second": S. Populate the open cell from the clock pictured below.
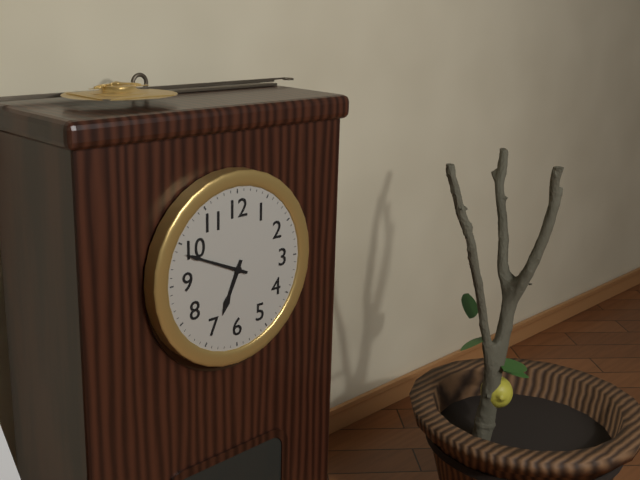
{"hour": 6, "minute": 49}
